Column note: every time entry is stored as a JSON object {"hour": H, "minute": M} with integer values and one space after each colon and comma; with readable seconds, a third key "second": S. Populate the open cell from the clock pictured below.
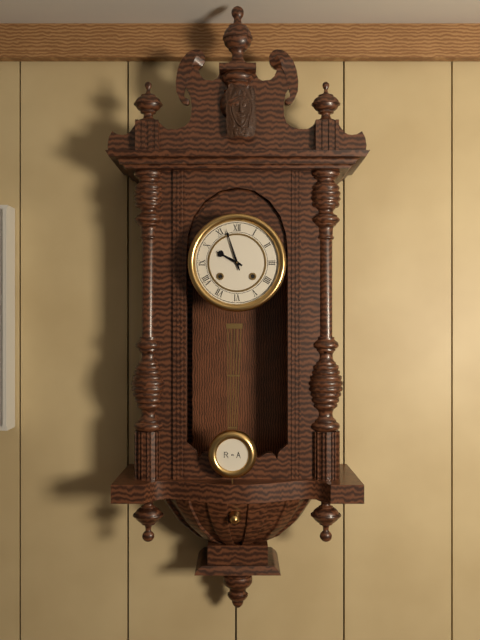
{"hour": 9, "minute": 57}
